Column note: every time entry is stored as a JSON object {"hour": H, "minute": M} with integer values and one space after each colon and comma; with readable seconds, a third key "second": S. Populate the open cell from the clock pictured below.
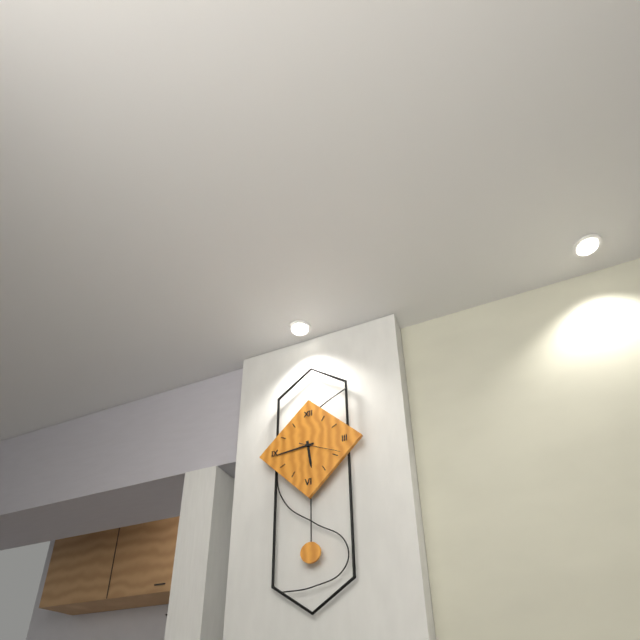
{"hour": 5, "minute": 44}
